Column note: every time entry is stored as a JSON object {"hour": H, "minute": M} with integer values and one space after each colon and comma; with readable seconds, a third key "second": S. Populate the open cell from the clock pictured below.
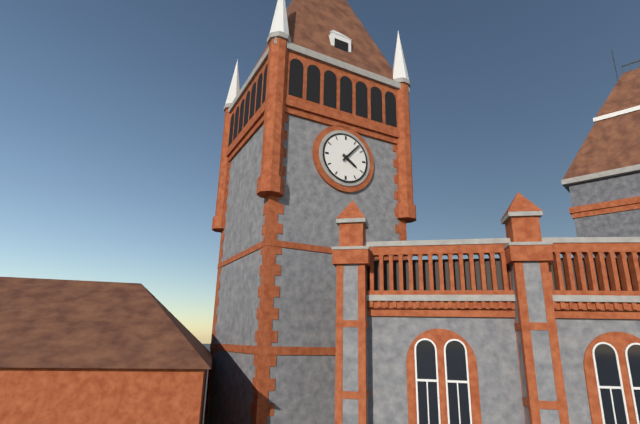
{"hour": 4, "minute": 7}
